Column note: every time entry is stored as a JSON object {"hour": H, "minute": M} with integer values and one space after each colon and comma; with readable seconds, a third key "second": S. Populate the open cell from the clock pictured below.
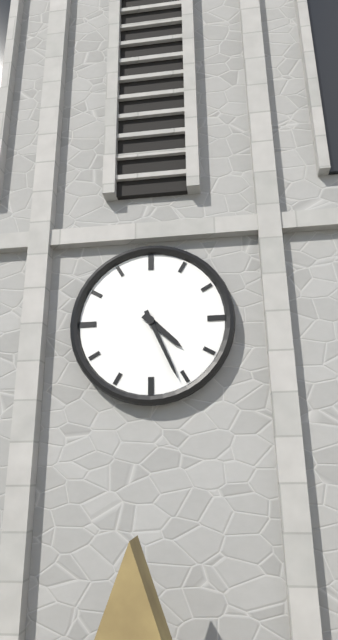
{"hour": 4, "minute": 26}
